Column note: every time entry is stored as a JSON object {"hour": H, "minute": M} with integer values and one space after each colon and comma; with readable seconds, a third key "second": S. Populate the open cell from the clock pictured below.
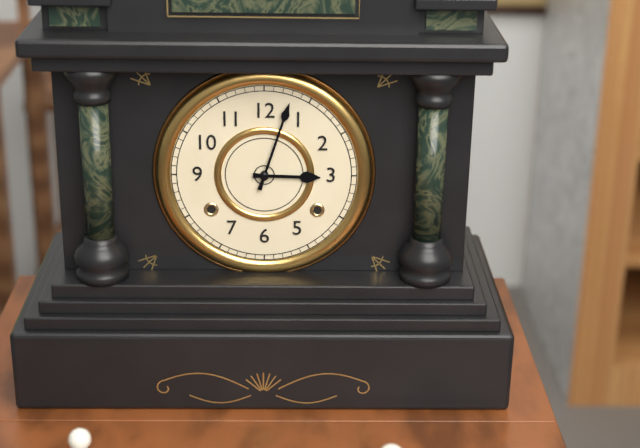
{"hour": 3, "minute": 3}
